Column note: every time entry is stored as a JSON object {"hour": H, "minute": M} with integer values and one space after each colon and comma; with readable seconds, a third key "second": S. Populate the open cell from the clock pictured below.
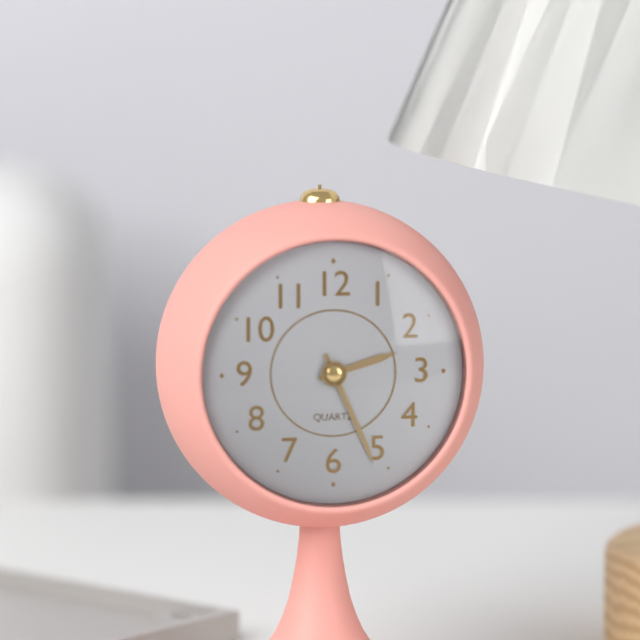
{"hour": 2, "minute": 26}
